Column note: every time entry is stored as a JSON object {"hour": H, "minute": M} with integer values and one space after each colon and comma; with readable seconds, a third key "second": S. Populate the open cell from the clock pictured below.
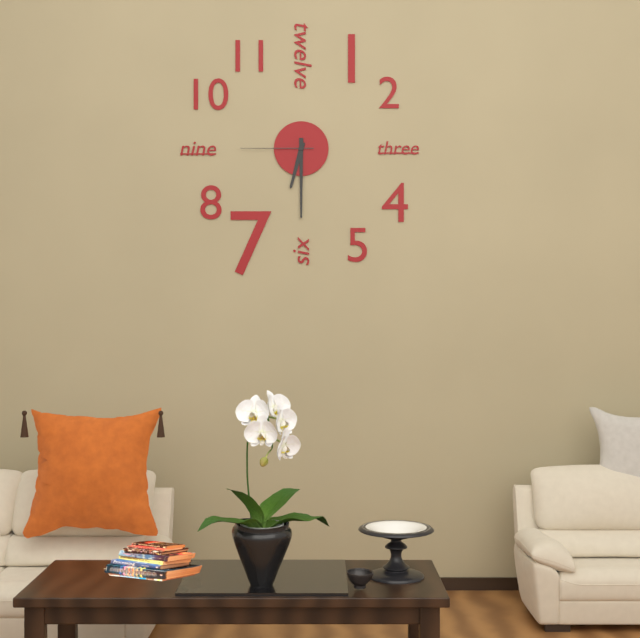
{"hour": 6, "minute": 30, "second": 45}
